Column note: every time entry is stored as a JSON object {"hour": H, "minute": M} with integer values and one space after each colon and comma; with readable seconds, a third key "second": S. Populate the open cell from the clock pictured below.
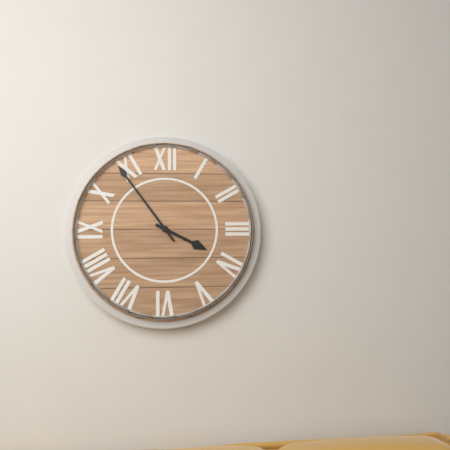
{"hour": 3, "minute": 54}
